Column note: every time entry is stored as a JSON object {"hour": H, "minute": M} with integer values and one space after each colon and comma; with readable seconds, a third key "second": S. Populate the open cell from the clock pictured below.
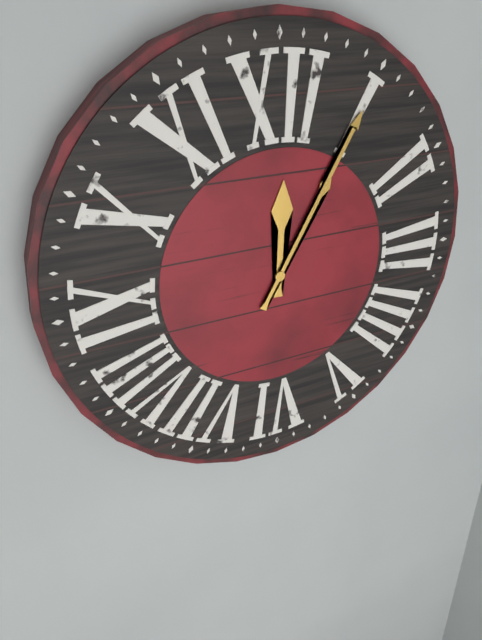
{"hour": 12, "minute": 5}
